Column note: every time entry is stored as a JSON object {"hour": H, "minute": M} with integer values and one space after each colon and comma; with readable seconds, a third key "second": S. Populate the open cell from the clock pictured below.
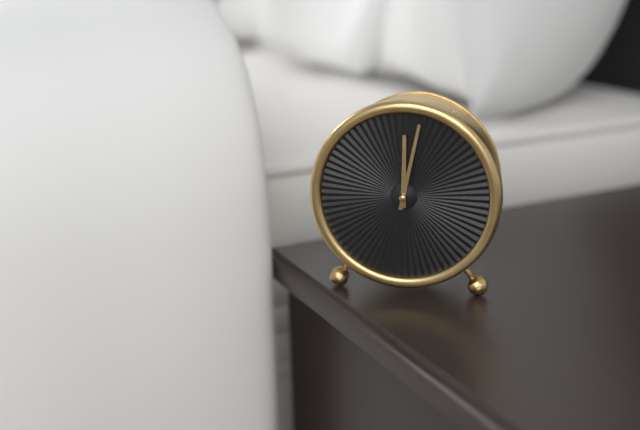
{"hour": 12, "minute": 2}
